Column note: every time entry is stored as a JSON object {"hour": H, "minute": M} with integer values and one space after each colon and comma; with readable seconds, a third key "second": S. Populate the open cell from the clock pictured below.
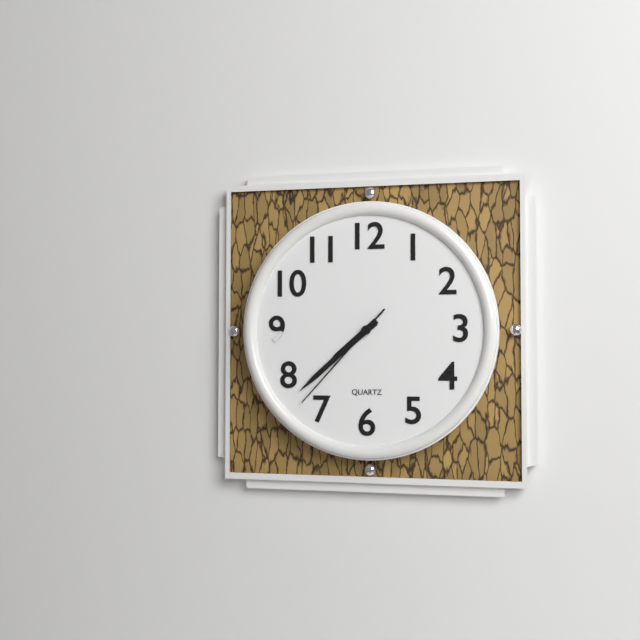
{"hour": 7, "minute": 38, "second": 37}
